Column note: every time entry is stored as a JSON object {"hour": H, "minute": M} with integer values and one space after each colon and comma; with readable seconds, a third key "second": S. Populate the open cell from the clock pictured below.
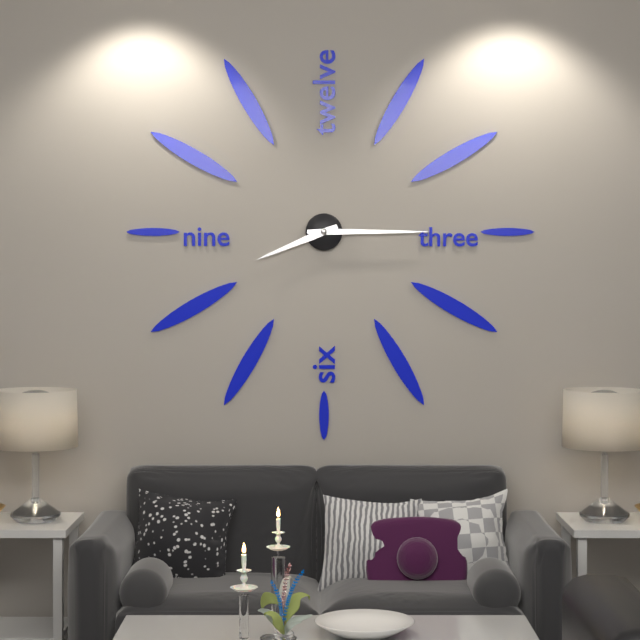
{"hour": 8, "minute": 15}
